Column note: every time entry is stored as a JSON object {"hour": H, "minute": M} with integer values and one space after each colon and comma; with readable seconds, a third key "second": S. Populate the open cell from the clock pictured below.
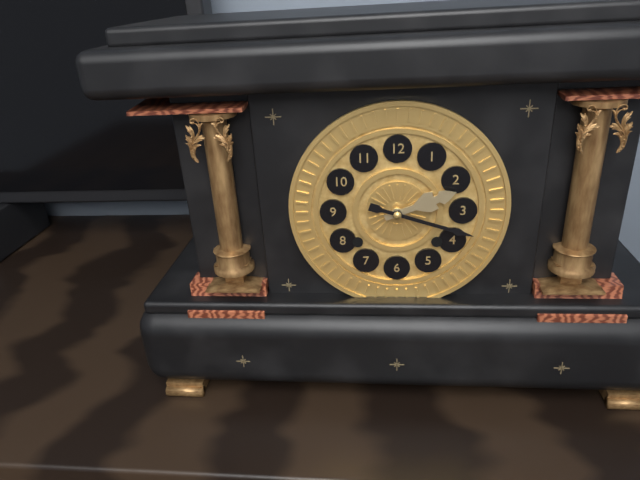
{"hour": 2, "minute": 18}
